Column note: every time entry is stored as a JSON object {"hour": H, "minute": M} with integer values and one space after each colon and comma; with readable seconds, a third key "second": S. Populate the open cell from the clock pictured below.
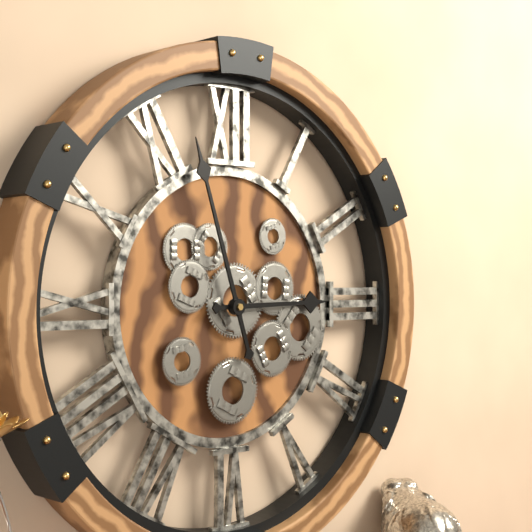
{"hour": 2, "minute": 57}
